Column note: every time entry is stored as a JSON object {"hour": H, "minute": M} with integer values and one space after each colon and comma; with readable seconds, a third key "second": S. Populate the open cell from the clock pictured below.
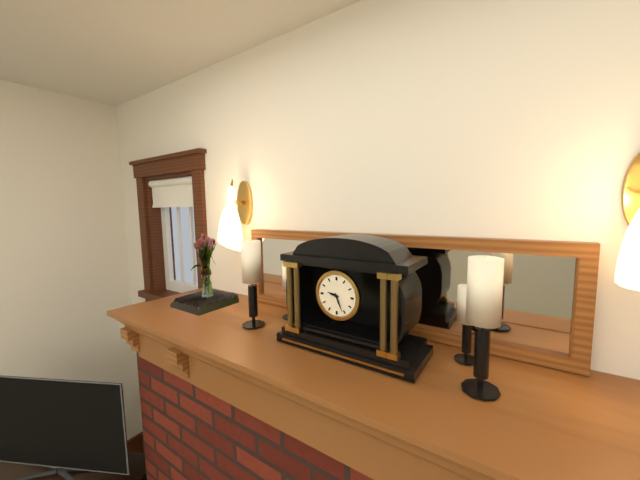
{"hour": 9, "minute": 26}
